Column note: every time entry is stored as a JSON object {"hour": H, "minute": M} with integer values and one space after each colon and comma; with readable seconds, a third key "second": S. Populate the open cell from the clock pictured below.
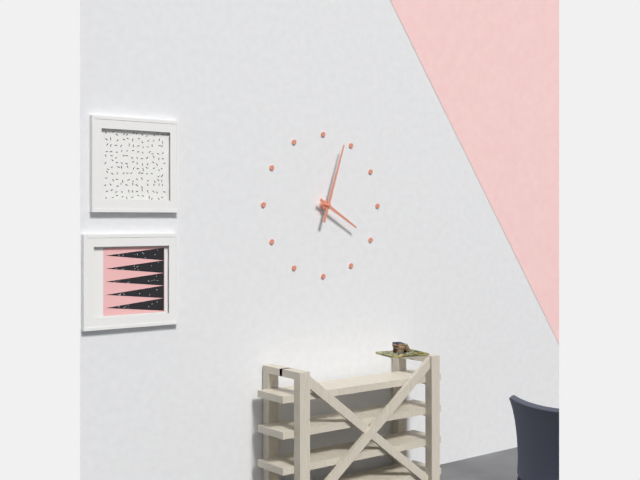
{"hour": 4, "minute": 3}
